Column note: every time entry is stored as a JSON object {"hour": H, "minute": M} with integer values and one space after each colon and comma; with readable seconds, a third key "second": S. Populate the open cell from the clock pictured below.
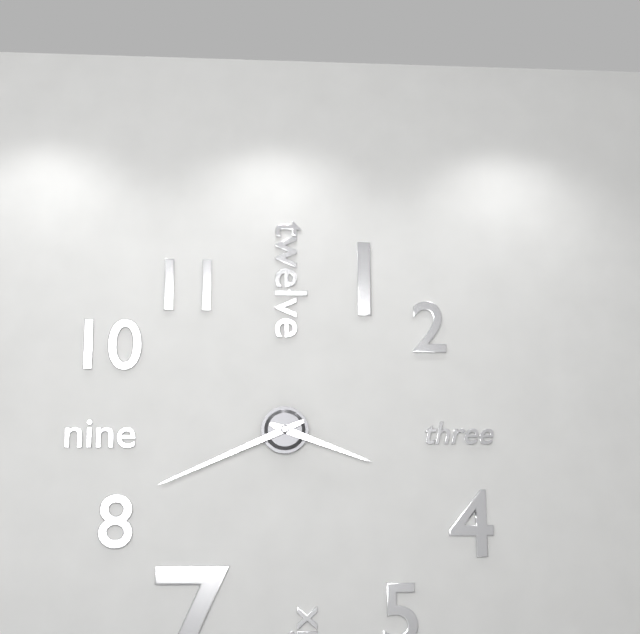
{"hour": 3, "minute": 41}
